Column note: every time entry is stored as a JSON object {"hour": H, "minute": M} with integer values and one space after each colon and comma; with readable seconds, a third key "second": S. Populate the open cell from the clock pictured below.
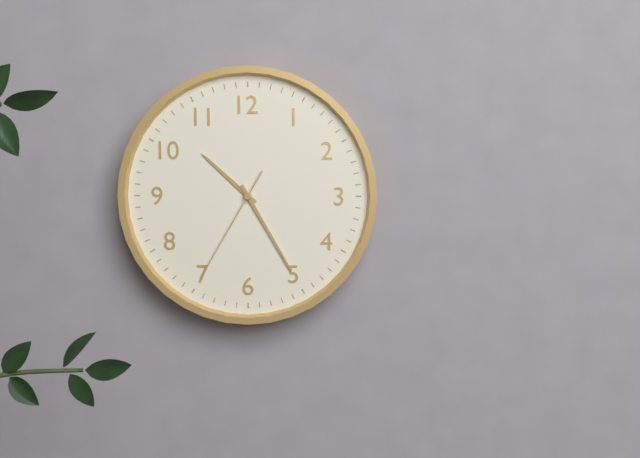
{"hour": 10, "minute": 25, "second": 35}
